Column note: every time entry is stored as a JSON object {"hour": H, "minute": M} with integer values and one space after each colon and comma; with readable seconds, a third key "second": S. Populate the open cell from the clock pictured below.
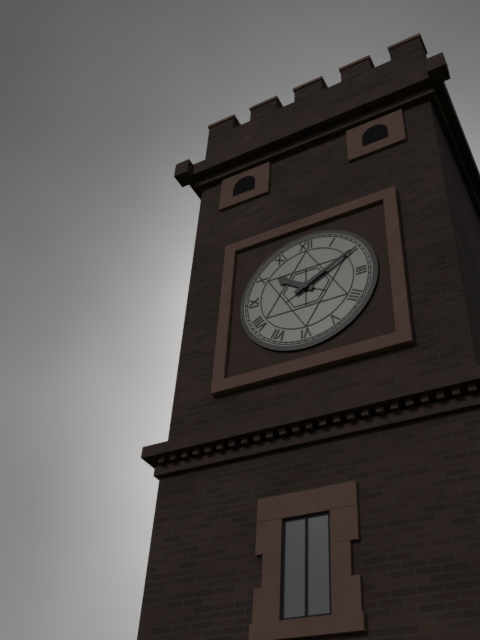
{"hour": 10, "minute": 10}
